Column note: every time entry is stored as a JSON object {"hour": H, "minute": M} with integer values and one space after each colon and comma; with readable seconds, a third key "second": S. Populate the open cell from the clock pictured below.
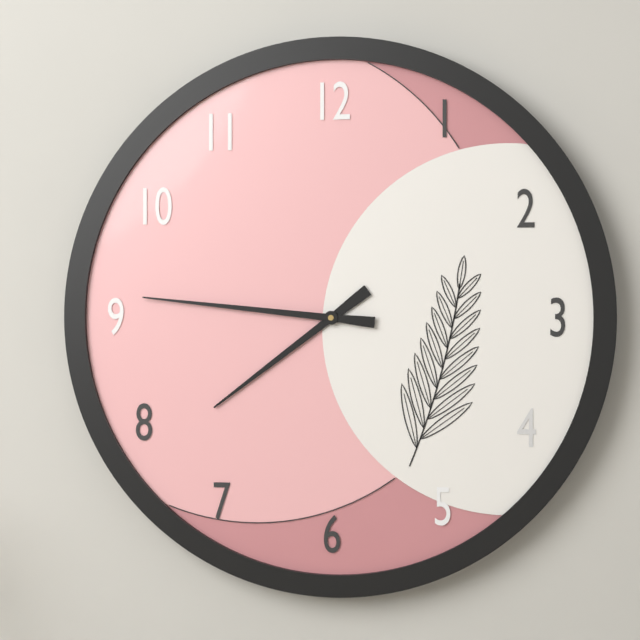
{"hour": 7, "minute": 46}
